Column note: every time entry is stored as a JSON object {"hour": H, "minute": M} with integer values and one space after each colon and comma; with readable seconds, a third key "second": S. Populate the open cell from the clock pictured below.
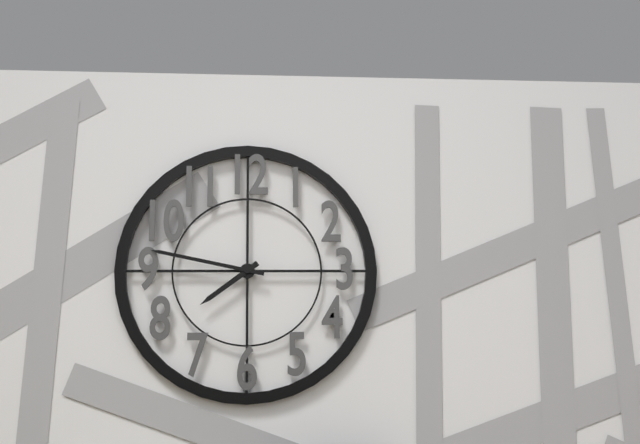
{"hour": 7, "minute": 47}
